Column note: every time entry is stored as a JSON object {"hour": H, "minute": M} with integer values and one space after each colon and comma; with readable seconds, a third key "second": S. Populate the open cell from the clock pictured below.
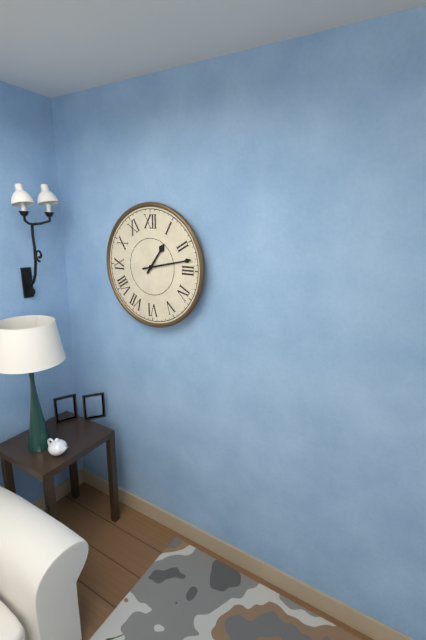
{"hour": 1, "minute": 13}
